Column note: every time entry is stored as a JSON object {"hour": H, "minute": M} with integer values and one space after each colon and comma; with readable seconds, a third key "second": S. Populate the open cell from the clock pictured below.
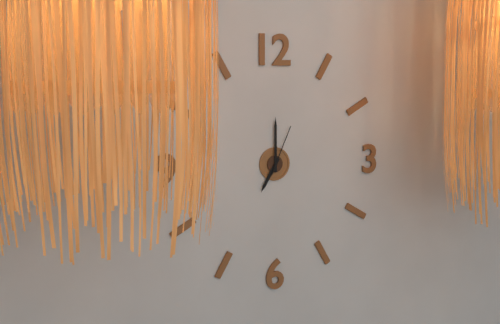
{"hour": 7, "minute": 0, "second": 4}
